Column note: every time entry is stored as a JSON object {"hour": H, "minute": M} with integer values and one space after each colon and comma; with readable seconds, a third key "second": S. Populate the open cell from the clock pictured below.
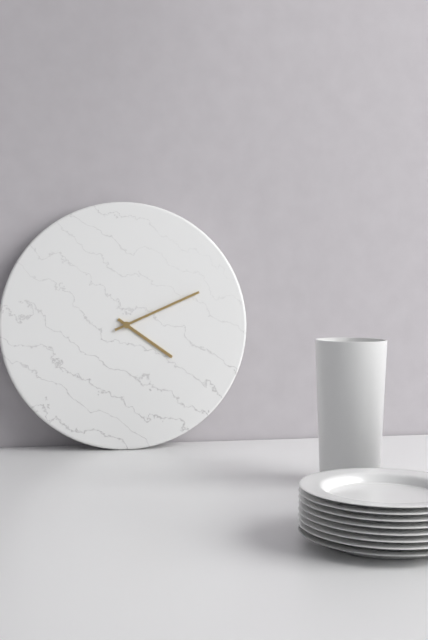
{"hour": 4, "minute": 11}
